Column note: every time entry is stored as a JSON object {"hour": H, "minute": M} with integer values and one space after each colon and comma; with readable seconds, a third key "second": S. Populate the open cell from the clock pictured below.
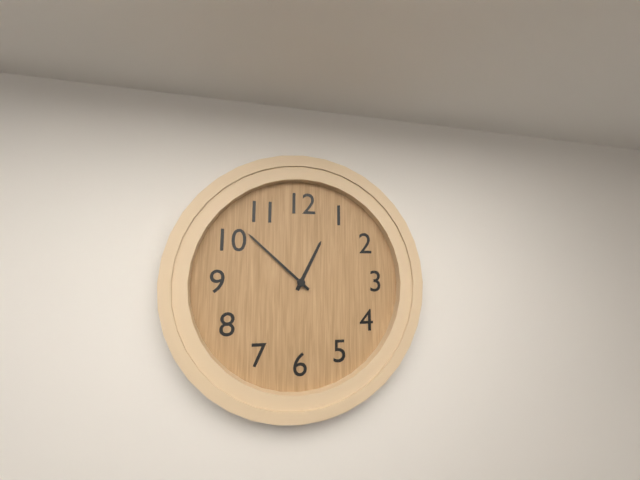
{"hour": 12, "minute": 52}
